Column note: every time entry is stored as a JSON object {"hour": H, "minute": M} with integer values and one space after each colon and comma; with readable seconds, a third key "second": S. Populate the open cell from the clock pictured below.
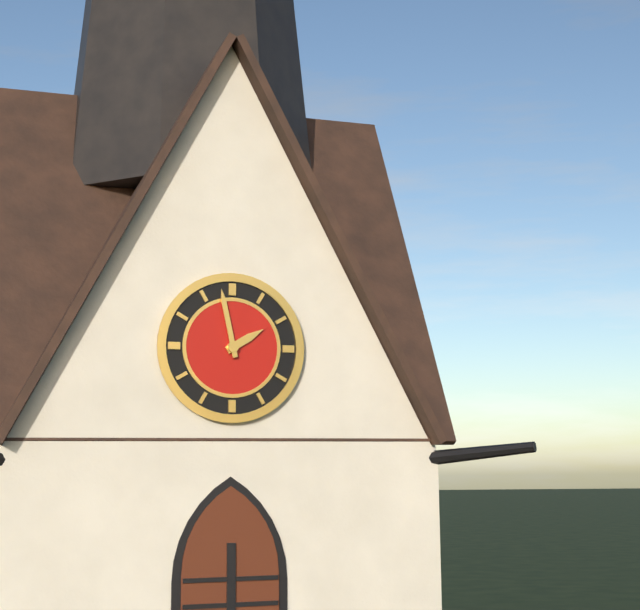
{"hour": 1, "minute": 58}
